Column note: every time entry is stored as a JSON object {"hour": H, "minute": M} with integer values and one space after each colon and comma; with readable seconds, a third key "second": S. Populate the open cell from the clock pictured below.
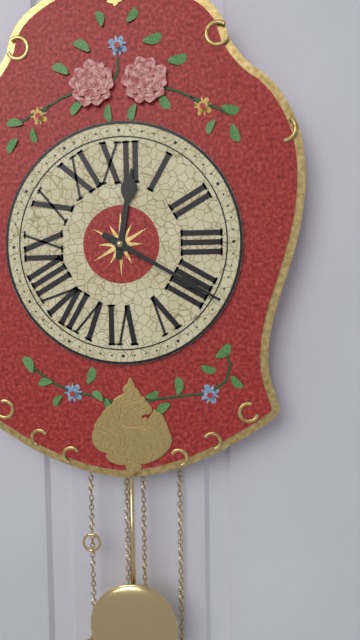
{"hour": 12, "minute": 20}
